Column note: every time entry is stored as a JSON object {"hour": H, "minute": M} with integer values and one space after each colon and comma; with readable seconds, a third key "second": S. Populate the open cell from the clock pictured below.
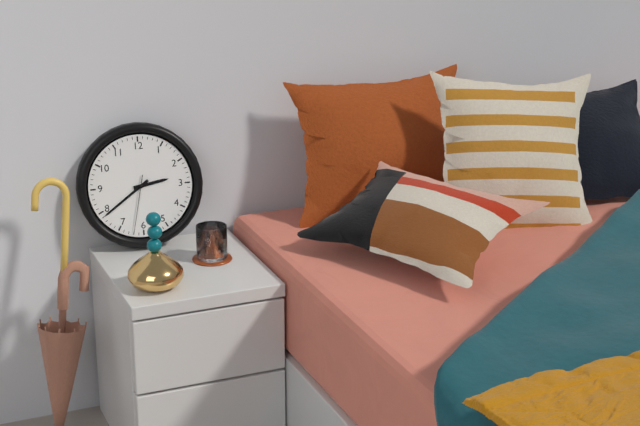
{"hour": 2, "minute": 39, "second": 32}
